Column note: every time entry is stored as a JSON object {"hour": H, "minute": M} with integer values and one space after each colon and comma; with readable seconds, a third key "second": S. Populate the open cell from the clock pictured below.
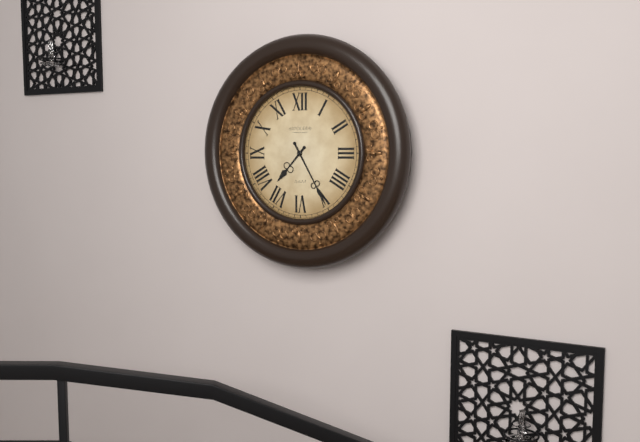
{"hour": 7, "minute": 25}
